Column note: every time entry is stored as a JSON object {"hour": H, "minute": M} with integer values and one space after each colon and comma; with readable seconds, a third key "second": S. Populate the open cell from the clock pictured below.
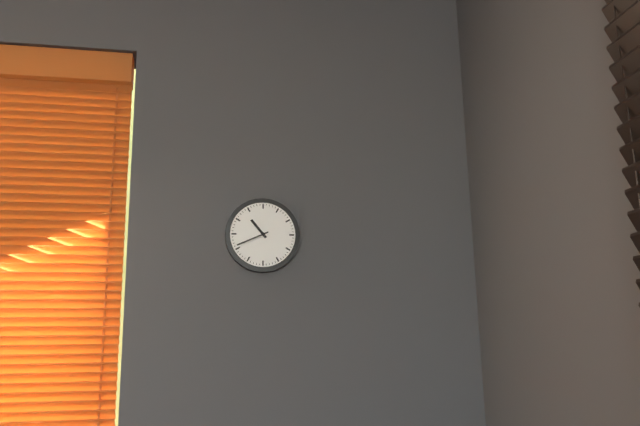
{"hour": 10, "minute": 41}
